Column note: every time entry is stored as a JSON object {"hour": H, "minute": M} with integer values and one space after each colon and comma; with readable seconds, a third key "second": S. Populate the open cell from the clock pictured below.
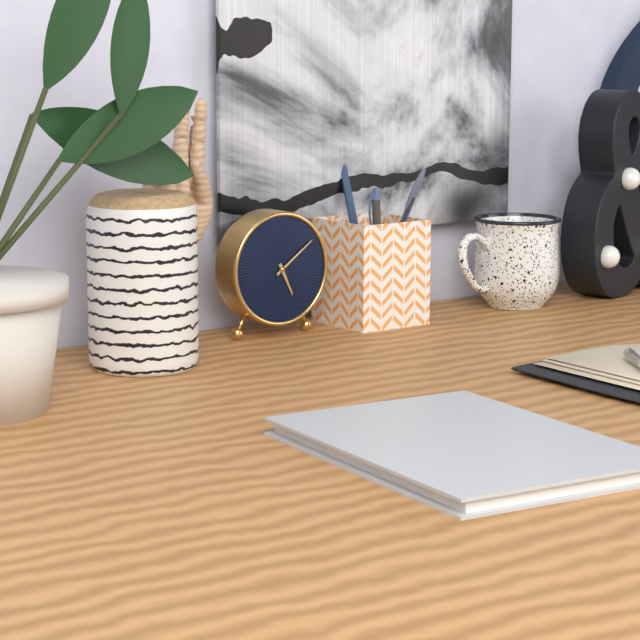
{"hour": 5, "minute": 9}
